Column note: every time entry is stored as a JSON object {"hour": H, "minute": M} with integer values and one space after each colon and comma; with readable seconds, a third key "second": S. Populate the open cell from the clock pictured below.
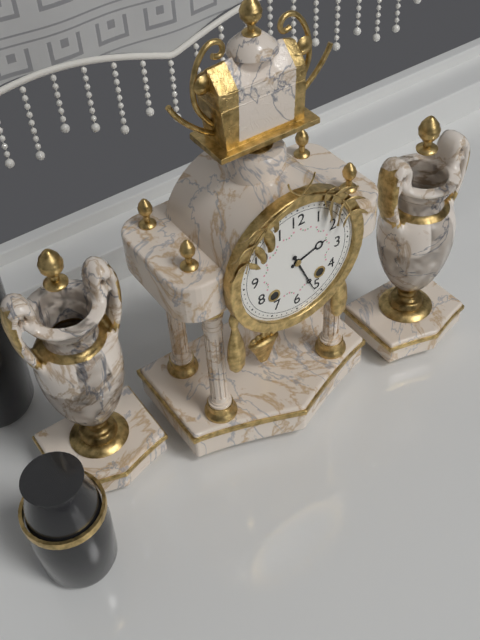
{"hour": 2, "minute": 26}
